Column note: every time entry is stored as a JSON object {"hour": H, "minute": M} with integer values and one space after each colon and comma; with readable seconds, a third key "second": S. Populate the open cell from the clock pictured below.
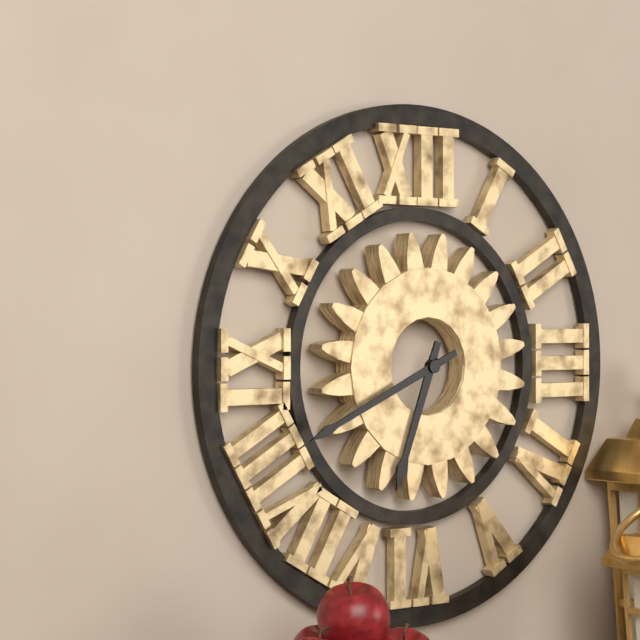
{"hour": 6, "minute": 41}
